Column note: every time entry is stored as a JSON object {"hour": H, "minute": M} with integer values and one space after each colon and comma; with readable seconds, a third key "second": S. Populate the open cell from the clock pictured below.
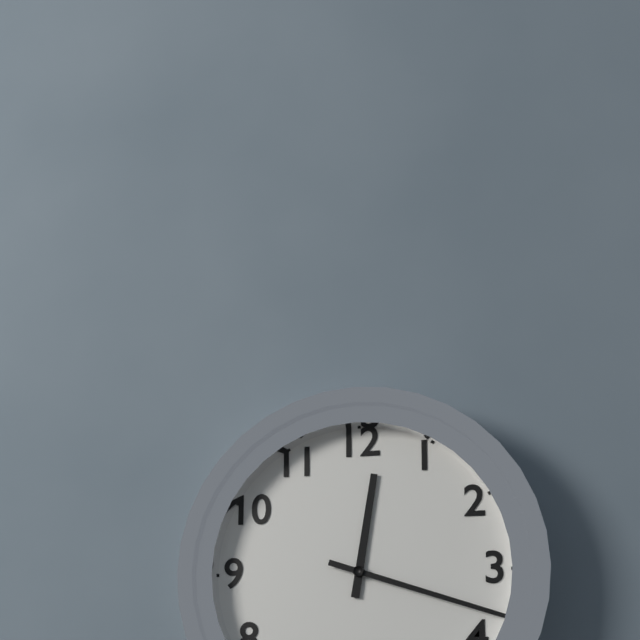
{"hour": 12, "minute": 18}
